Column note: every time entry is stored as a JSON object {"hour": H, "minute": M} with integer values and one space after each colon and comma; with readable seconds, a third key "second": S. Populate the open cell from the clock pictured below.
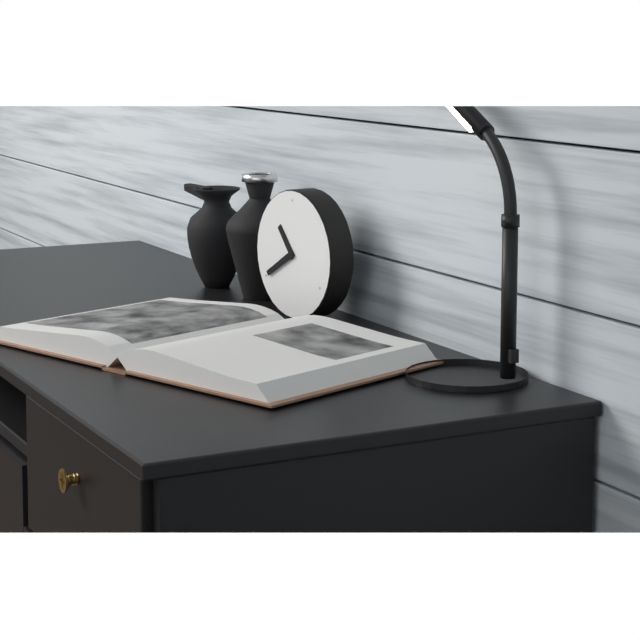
{"hour": 10, "minute": 40}
